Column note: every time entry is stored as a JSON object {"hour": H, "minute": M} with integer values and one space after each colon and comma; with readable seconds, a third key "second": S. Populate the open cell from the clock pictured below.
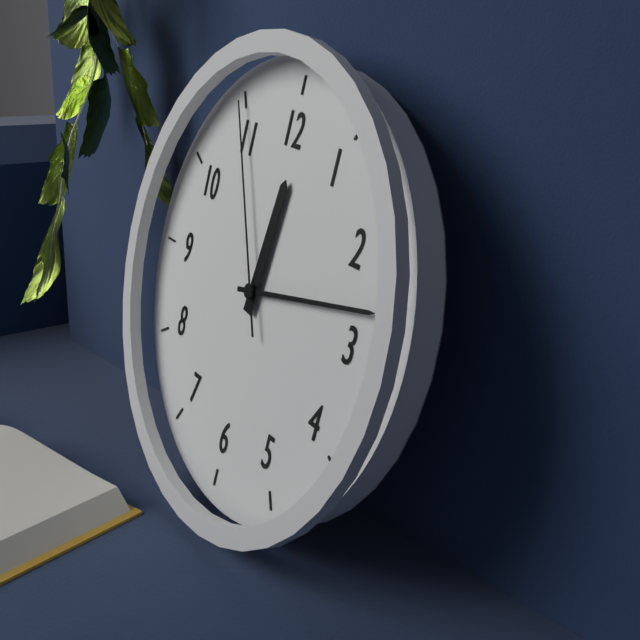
{"hour": 12, "minute": 13, "second": 55}
